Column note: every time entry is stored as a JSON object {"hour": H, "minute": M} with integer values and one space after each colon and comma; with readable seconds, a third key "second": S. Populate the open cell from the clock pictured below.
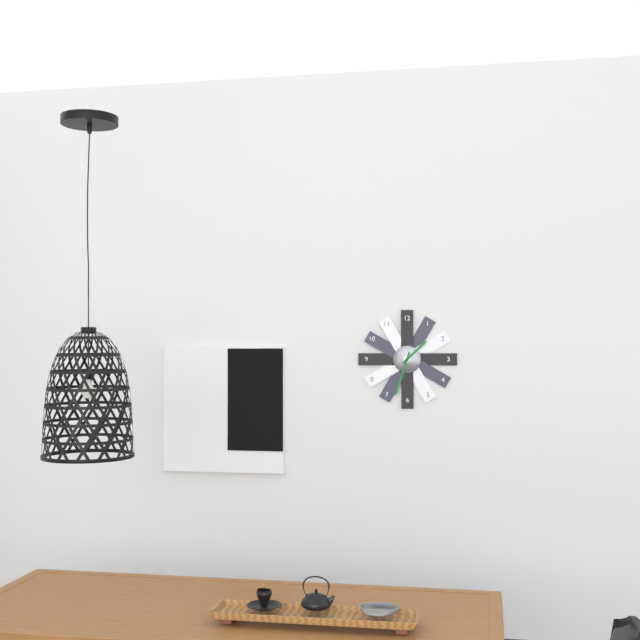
{"hour": 1, "minute": 33}
